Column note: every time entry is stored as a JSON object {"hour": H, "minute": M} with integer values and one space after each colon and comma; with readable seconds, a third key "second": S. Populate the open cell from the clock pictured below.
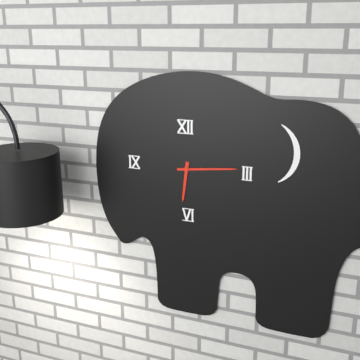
{"hour": 6, "minute": 14}
